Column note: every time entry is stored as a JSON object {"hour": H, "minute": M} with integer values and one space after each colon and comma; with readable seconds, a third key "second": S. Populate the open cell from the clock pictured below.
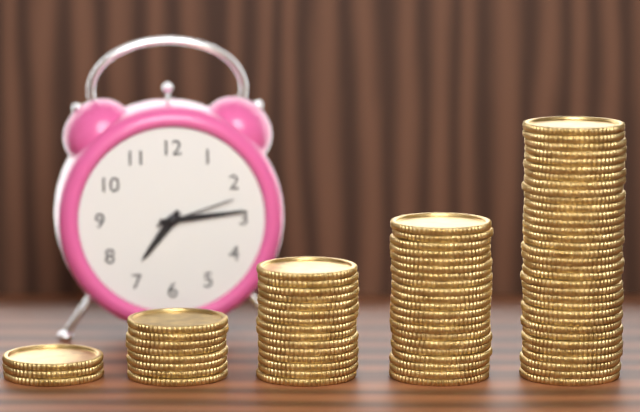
{"hour": 7, "minute": 14, "second": 12}
